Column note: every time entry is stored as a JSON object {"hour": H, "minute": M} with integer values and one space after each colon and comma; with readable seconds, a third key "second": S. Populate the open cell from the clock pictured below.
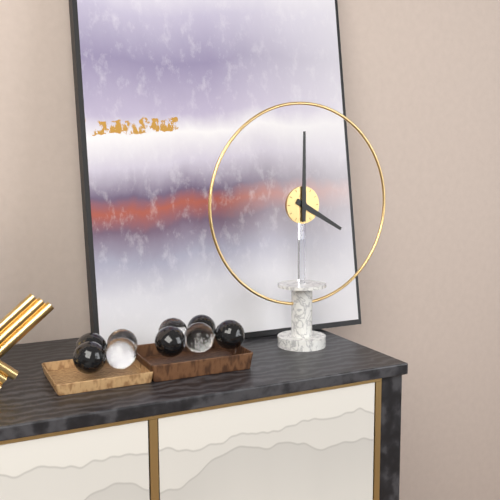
{"hour": 4, "minute": 0}
